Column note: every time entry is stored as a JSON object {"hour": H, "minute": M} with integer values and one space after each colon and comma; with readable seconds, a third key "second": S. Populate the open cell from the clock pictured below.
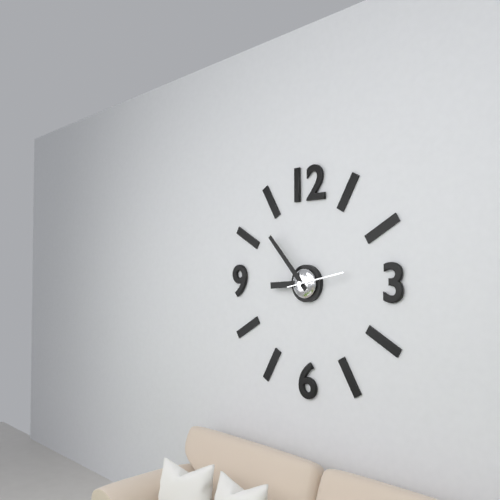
{"hour": 8, "minute": 53, "second": 13}
